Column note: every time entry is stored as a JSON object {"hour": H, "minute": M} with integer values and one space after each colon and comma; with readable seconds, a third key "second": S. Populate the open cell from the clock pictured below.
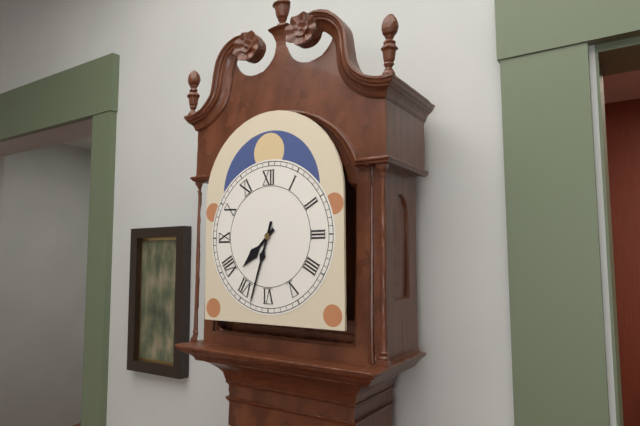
{"hour": 7, "minute": 33}
